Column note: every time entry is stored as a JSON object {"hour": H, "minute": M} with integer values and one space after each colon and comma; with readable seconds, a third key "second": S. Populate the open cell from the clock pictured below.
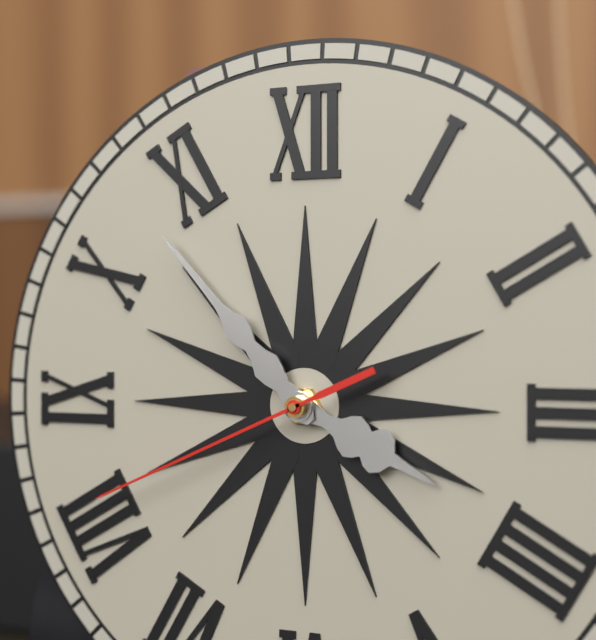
{"hour": 3, "minute": 53, "second": 41}
